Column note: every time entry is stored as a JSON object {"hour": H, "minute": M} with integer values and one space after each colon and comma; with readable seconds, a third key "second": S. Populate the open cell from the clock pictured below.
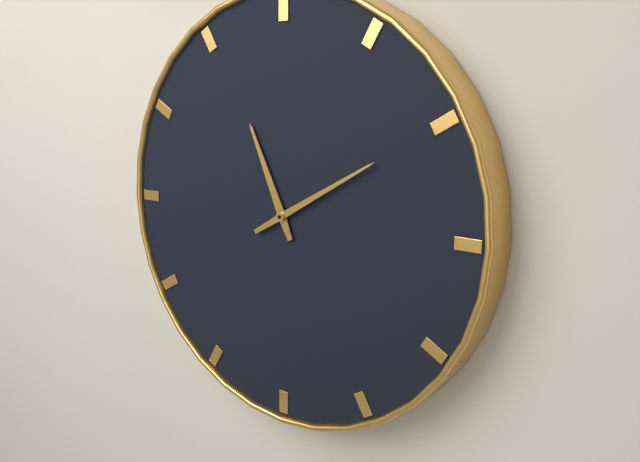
{"hour": 11, "minute": 10}
